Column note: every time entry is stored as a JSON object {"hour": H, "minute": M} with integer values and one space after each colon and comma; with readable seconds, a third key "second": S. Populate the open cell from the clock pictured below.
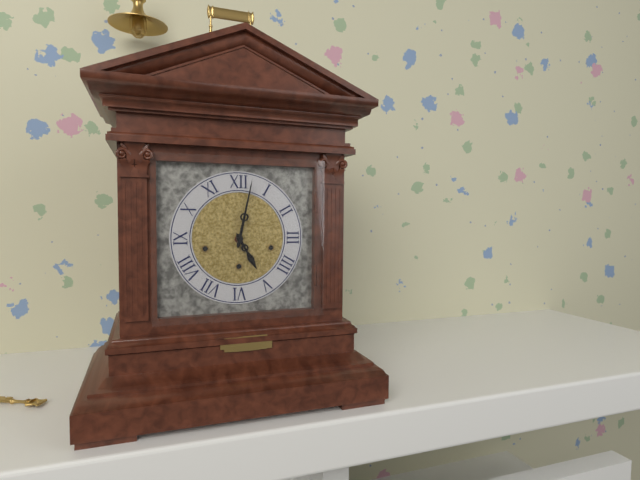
{"hour": 5, "minute": 2}
